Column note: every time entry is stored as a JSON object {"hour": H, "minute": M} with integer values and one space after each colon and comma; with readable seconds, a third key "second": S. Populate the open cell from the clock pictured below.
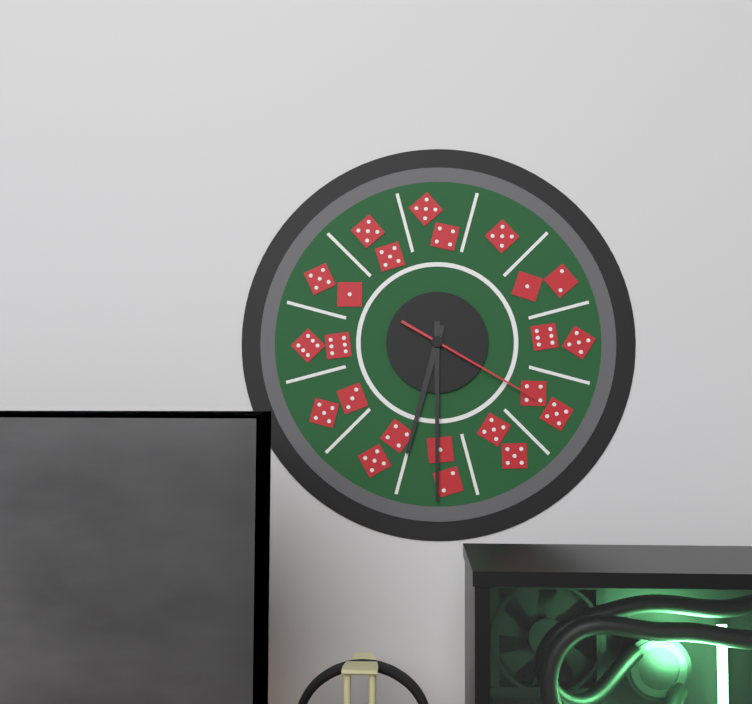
{"hour": 6, "minute": 30, "second": 20}
